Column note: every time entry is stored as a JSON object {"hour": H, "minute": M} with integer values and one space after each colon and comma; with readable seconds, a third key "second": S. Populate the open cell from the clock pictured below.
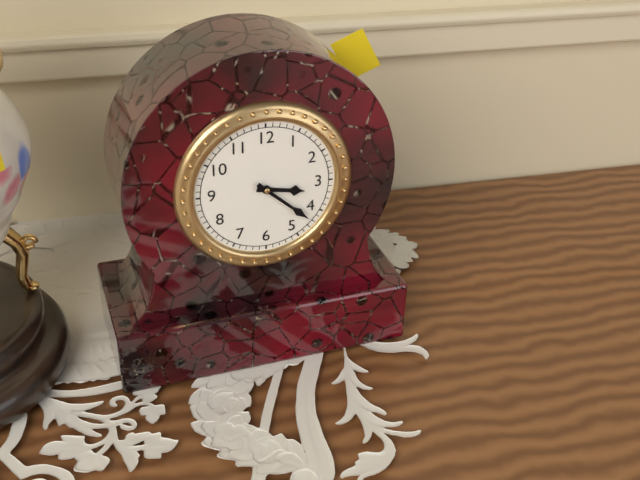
{"hour": 3, "minute": 22}
